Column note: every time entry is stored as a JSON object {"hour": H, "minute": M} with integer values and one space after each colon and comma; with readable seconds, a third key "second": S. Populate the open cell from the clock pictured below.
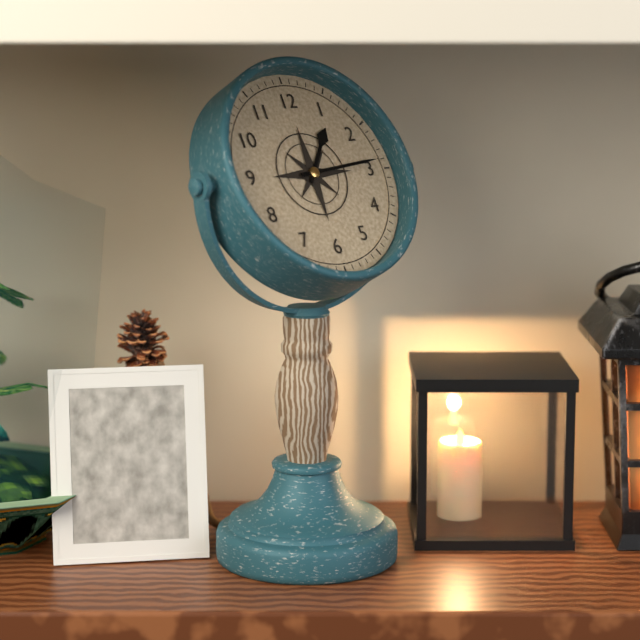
{"hour": 1, "minute": 14}
